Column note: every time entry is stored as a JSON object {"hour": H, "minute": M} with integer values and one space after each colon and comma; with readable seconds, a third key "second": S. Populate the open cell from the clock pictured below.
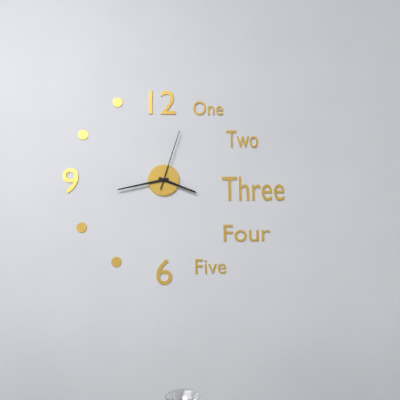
{"hour": 3, "minute": 43, "second": 3}
